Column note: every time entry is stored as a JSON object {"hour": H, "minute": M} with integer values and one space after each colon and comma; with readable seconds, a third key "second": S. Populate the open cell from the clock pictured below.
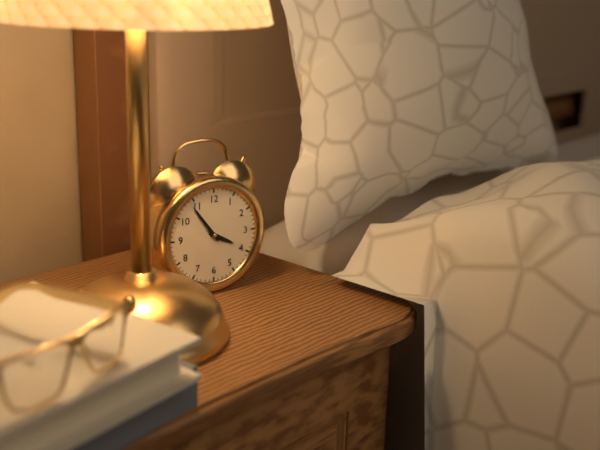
{"hour": 3, "minute": 54}
